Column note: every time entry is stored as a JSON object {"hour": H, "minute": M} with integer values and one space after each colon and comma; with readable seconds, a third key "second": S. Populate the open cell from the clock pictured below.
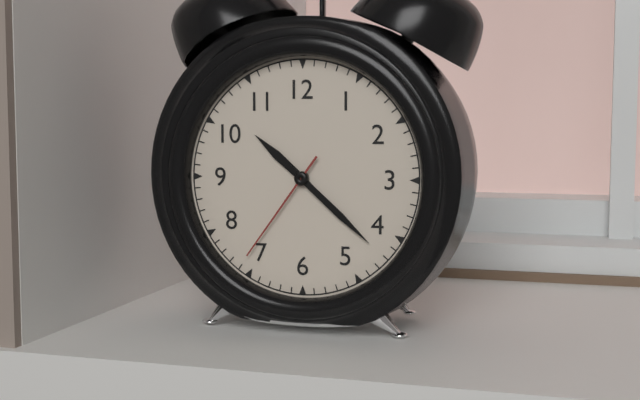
{"hour": 10, "minute": 22, "second": 36}
